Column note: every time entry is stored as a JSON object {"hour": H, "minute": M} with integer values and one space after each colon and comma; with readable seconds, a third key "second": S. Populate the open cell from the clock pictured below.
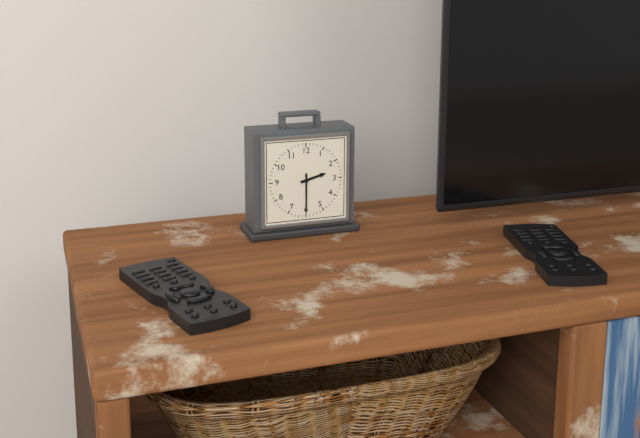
{"hour": 2, "minute": 30}
